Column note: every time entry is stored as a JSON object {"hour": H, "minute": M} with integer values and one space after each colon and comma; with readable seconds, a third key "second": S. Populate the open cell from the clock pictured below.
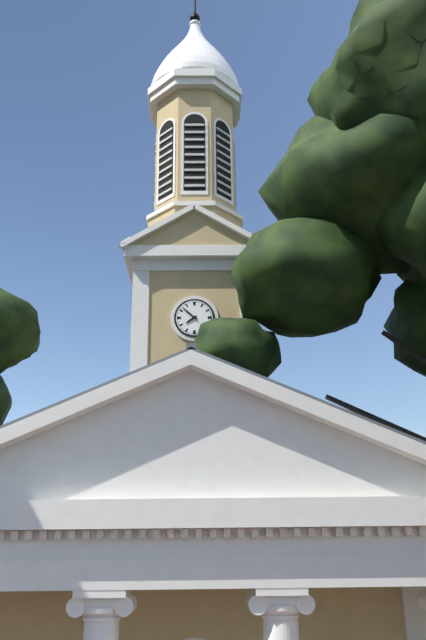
{"hour": 7, "minute": 52}
